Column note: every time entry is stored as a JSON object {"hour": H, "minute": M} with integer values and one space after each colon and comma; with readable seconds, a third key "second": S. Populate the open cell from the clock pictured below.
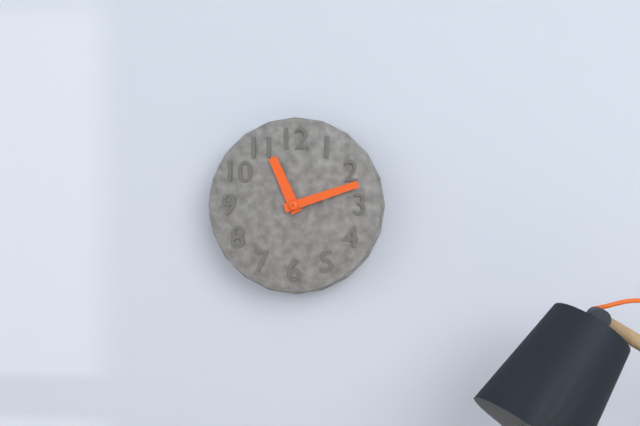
{"hour": 11, "minute": 12}
